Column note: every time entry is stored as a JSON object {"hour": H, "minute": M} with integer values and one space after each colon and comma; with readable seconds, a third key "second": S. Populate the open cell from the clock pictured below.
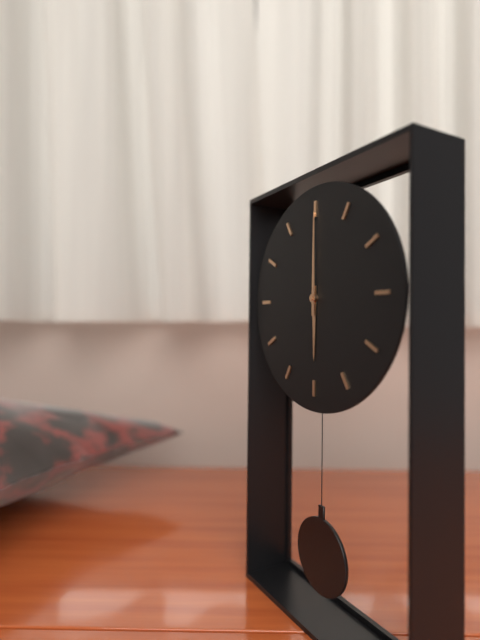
{"hour": 6, "minute": 0}
